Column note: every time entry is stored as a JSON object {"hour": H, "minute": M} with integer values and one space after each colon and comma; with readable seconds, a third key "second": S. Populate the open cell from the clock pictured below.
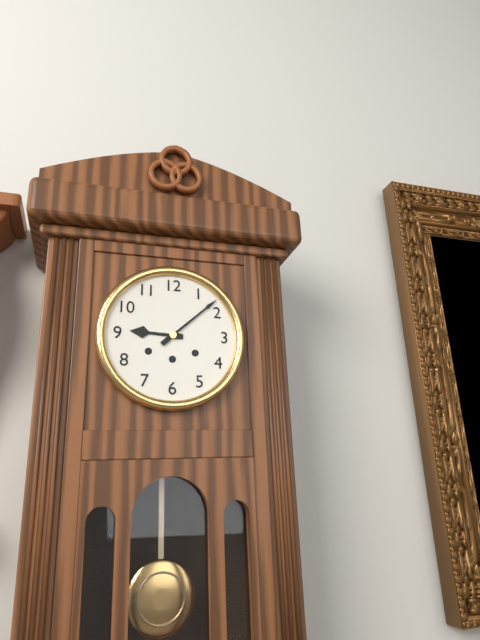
{"hour": 9, "minute": 8}
